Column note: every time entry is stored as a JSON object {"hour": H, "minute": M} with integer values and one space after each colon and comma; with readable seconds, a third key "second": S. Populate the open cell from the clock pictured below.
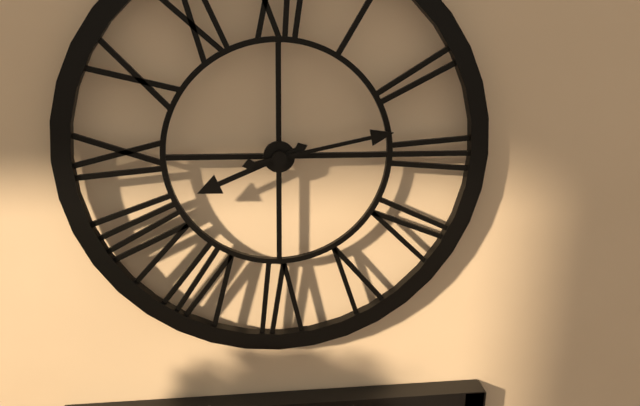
{"hour": 8, "minute": 13}
